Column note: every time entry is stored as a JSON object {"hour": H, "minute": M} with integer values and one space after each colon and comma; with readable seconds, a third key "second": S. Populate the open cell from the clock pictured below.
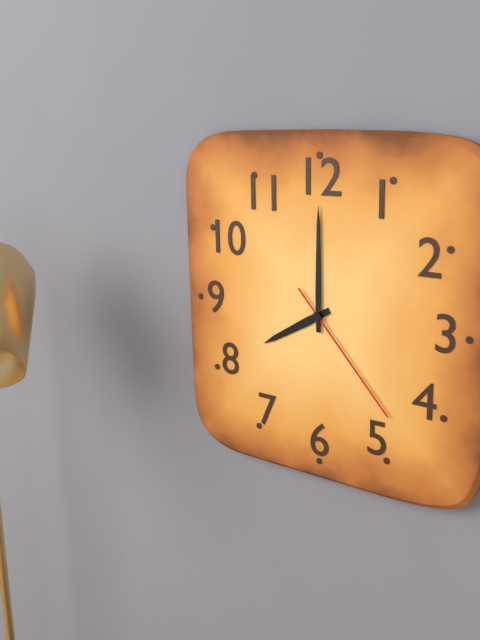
{"hour": 8, "minute": 0, "second": 23}
